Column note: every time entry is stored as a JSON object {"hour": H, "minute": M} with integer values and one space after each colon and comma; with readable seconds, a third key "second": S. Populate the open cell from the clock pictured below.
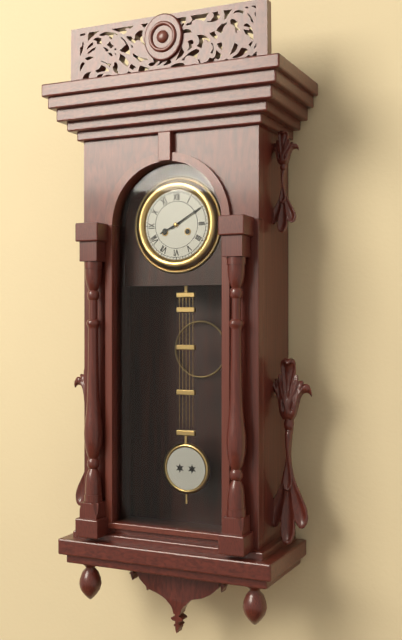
{"hour": 8, "minute": 10}
